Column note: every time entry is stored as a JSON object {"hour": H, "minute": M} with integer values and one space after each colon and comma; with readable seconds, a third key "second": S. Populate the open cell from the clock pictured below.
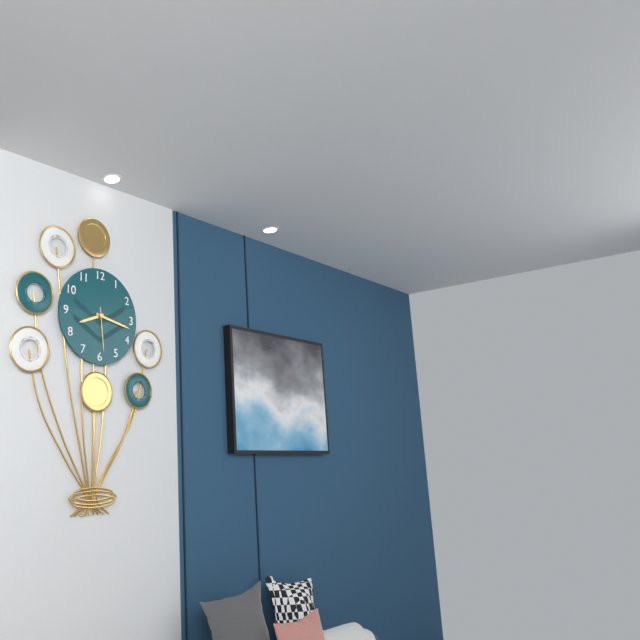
{"hour": 8, "minute": 17}
